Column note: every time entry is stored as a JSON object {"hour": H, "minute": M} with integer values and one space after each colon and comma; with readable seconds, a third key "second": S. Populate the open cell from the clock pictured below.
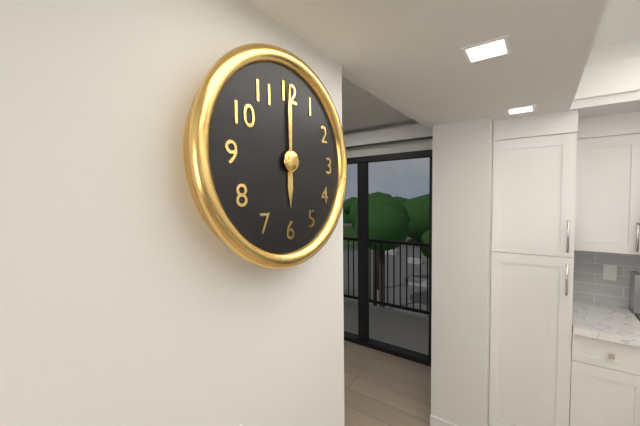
{"hour": 6, "minute": 0}
